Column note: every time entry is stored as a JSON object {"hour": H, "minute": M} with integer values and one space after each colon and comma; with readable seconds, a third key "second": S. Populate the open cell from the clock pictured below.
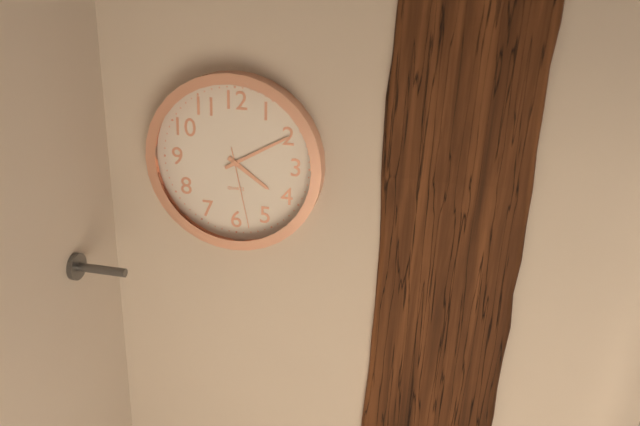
{"hour": 4, "minute": 10, "second": 28}
